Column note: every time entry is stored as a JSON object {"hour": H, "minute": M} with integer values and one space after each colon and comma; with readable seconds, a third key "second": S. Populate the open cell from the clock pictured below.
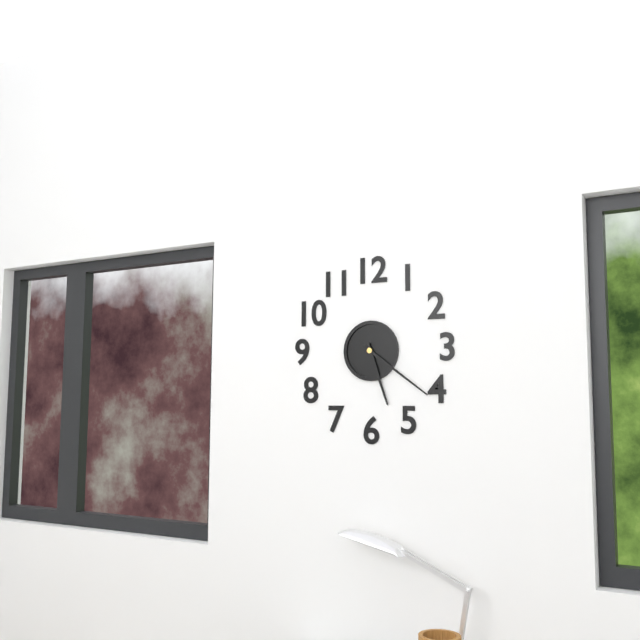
{"hour": 5, "minute": 21}
